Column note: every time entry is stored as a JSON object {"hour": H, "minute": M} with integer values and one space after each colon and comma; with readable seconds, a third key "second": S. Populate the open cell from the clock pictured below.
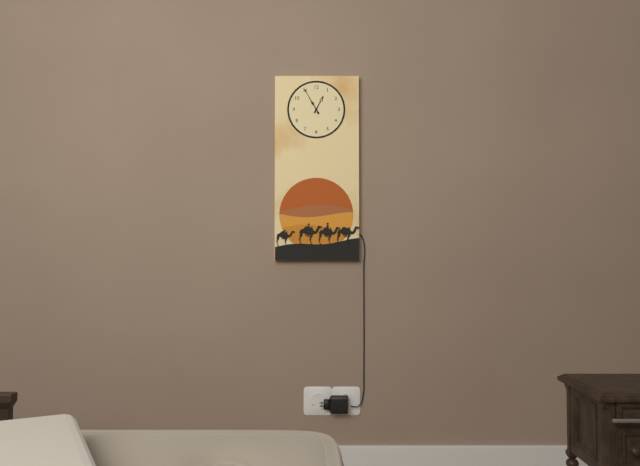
{"hour": 12, "minute": 55}
